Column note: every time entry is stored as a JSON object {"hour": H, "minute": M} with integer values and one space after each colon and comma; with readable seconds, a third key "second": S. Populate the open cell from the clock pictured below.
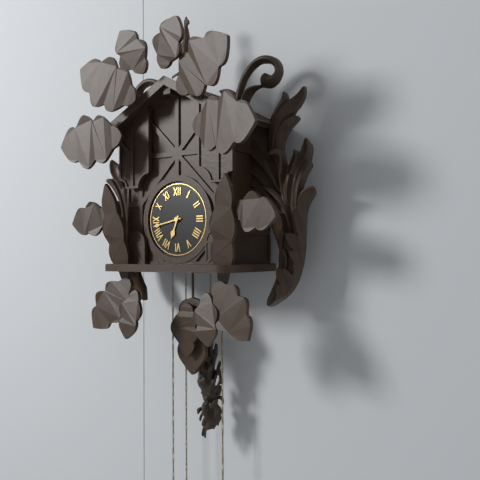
{"hour": 6, "minute": 43}
